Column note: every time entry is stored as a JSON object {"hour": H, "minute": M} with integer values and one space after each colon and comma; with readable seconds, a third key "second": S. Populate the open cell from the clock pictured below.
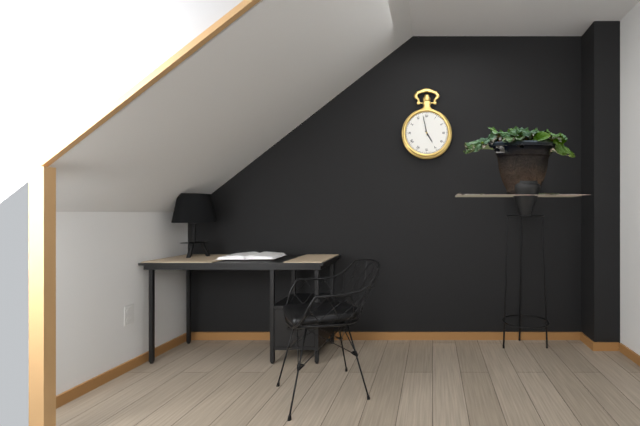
{"hour": 4, "minute": 58}
